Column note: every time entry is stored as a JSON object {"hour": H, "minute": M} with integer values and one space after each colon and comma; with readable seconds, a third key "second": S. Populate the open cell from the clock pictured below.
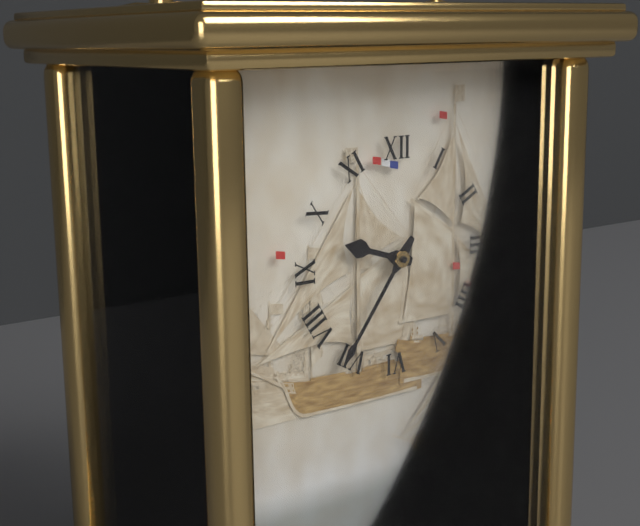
{"hour": 9, "minute": 36}
